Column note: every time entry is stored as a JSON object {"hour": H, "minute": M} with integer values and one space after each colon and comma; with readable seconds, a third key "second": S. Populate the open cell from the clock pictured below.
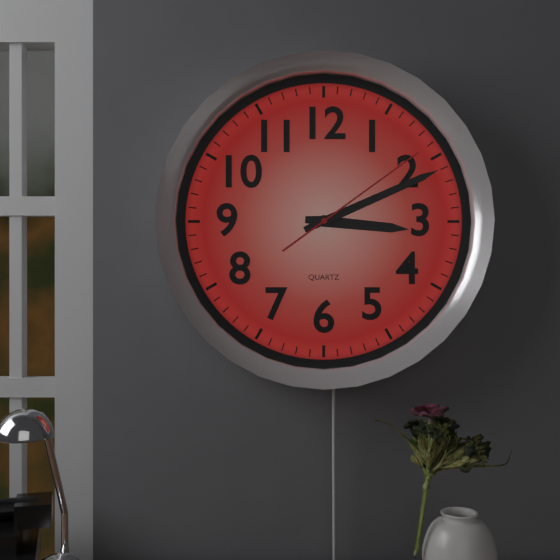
{"hour": 3, "minute": 11, "second": 9}
